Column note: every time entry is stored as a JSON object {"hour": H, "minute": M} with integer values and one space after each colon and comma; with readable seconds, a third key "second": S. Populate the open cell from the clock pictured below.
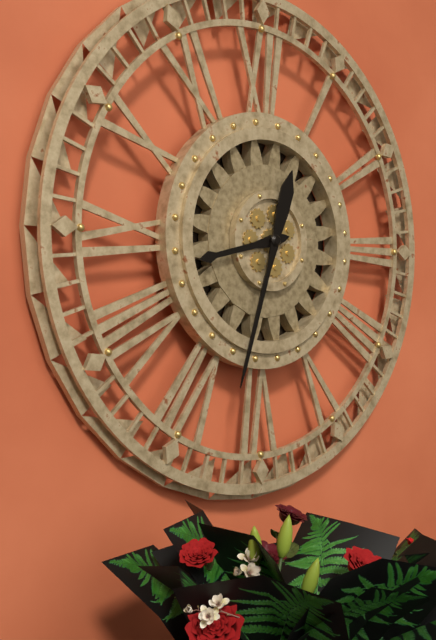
{"hour": 8, "minute": 33}
